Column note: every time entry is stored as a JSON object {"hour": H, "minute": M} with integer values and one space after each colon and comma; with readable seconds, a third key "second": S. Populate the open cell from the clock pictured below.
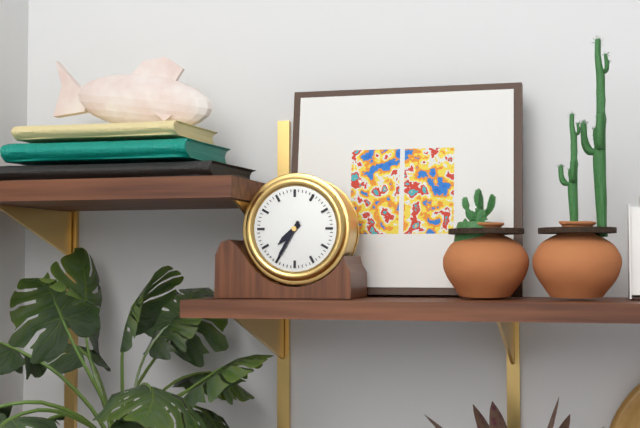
{"hour": 7, "minute": 35}
